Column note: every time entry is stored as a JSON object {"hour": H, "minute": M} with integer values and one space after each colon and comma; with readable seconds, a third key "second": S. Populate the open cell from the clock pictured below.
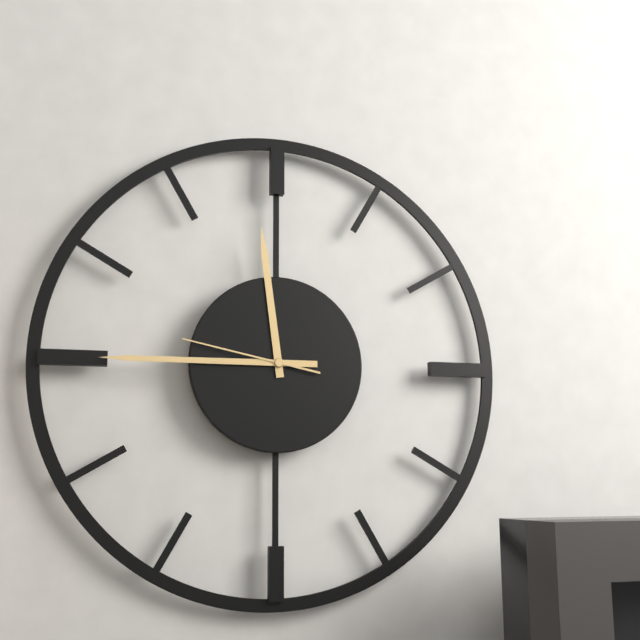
{"hour": 11, "minute": 45, "second": 47}
